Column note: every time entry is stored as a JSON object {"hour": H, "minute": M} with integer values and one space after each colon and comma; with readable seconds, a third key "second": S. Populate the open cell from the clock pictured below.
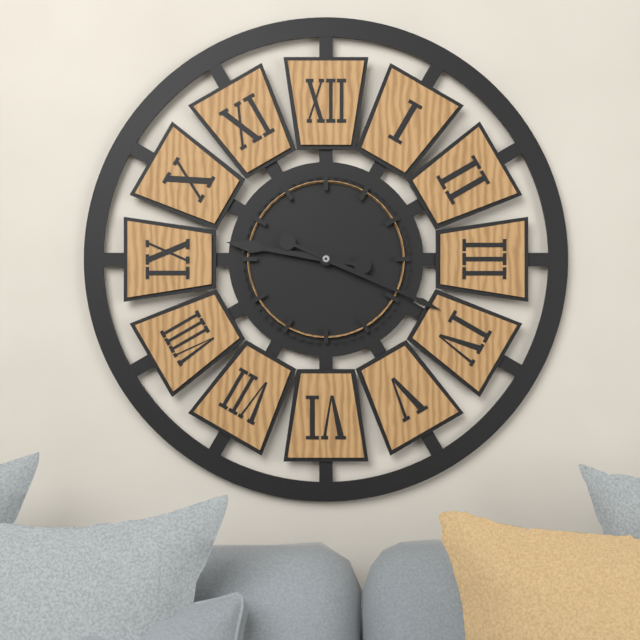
{"hour": 9, "minute": 19}
